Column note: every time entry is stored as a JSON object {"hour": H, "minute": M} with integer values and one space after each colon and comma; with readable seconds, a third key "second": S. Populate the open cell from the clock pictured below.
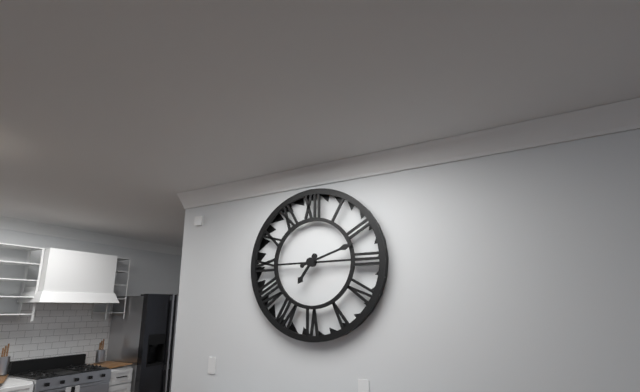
{"hour": 7, "minute": 12}
